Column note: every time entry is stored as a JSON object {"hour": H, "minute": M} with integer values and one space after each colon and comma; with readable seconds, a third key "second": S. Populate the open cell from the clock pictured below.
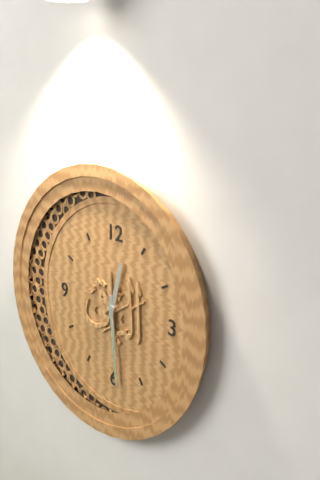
{"hour": 12, "minute": 29}
